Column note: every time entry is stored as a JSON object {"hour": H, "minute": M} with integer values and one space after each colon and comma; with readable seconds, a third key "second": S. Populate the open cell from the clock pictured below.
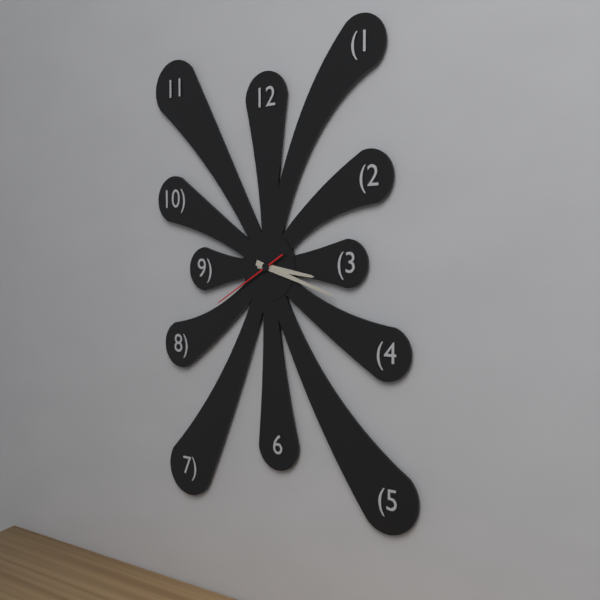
{"hour": 3, "minute": 18, "second": 40}
